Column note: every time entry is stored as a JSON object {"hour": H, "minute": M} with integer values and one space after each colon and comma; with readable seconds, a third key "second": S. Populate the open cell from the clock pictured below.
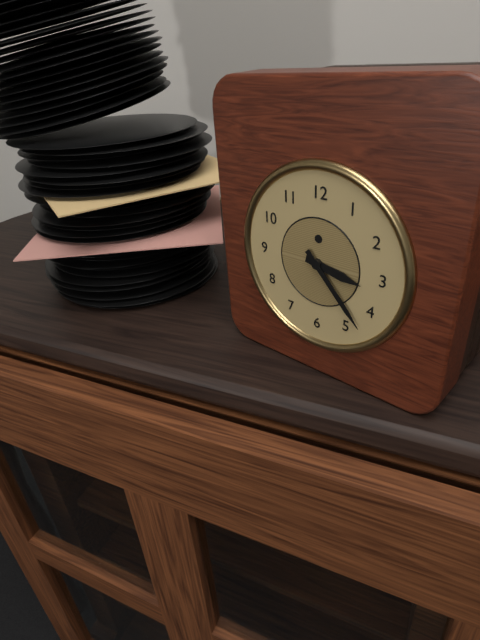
{"hour": 3, "minute": 23}
